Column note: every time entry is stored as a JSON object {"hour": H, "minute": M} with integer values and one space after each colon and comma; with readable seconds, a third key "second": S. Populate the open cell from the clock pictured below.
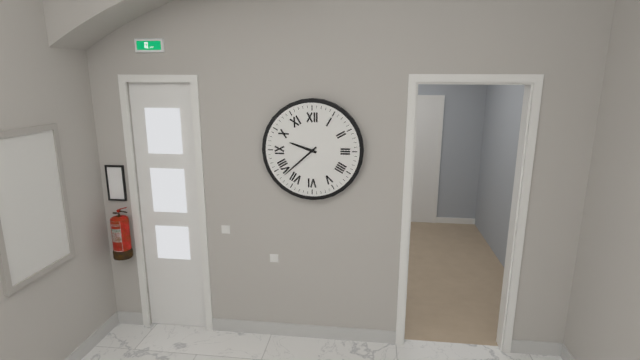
{"hour": 9, "minute": 38}
